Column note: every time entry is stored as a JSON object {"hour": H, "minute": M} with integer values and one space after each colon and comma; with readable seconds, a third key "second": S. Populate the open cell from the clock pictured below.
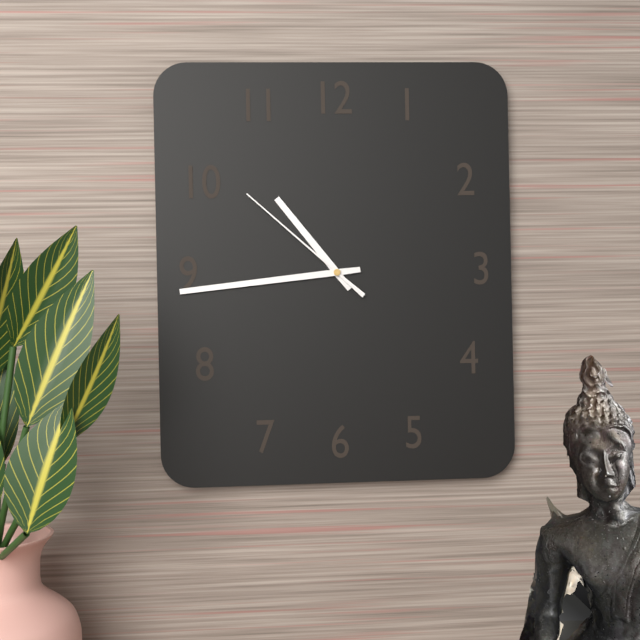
{"hour": 10, "minute": 44, "second": 52}
